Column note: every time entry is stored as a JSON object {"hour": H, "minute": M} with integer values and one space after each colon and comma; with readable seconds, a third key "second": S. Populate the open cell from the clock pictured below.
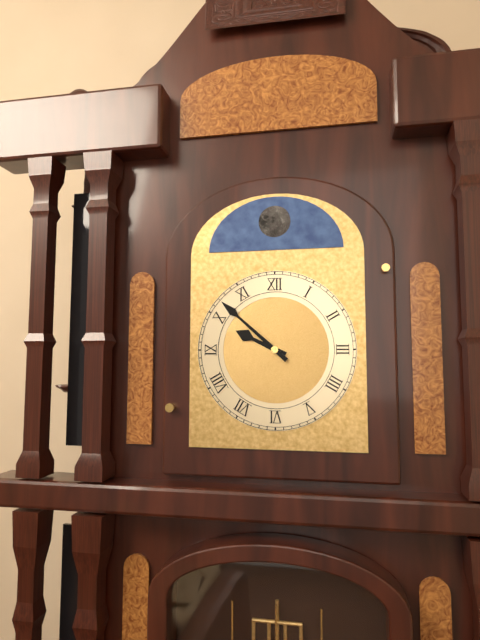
{"hour": 9, "minute": 52}
